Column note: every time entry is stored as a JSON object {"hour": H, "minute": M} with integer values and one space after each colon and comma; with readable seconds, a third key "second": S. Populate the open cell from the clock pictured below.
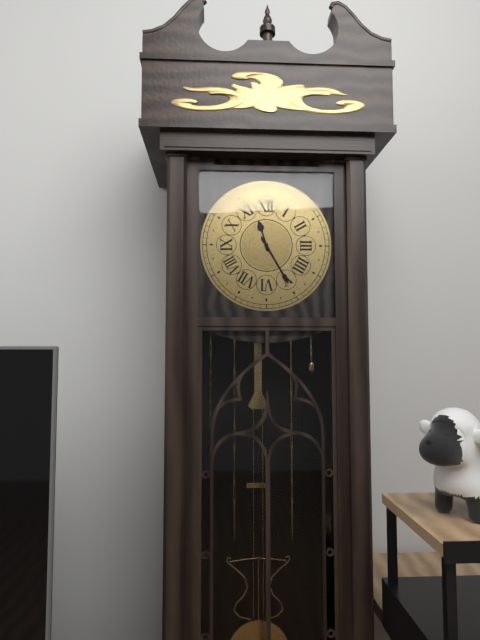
{"hour": 11, "minute": 25}
